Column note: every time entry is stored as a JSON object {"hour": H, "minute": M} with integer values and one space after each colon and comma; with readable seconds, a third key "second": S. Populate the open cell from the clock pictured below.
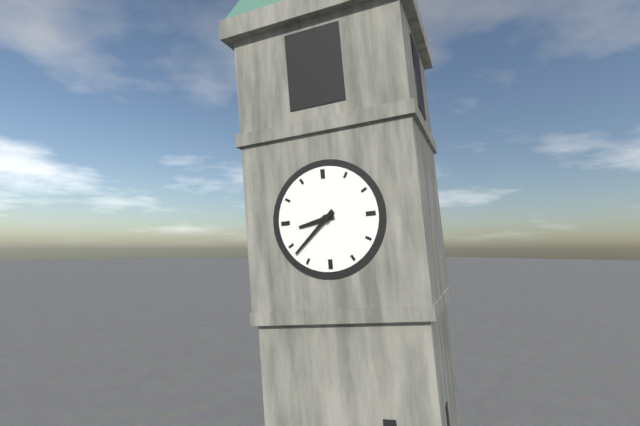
{"hour": 8, "minute": 38}
